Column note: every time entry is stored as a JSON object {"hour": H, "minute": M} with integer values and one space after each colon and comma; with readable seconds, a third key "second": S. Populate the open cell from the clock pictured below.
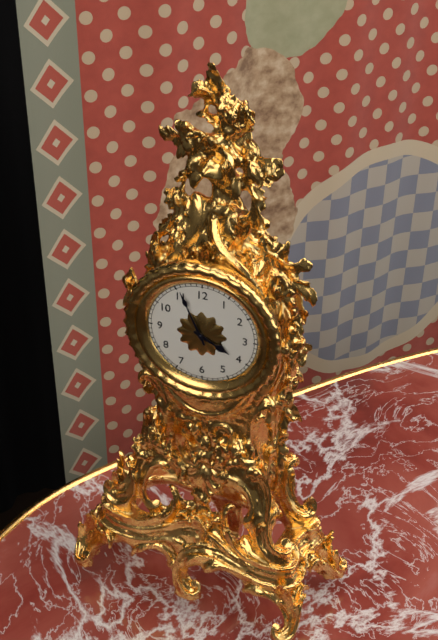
{"hour": 3, "minute": 56}
